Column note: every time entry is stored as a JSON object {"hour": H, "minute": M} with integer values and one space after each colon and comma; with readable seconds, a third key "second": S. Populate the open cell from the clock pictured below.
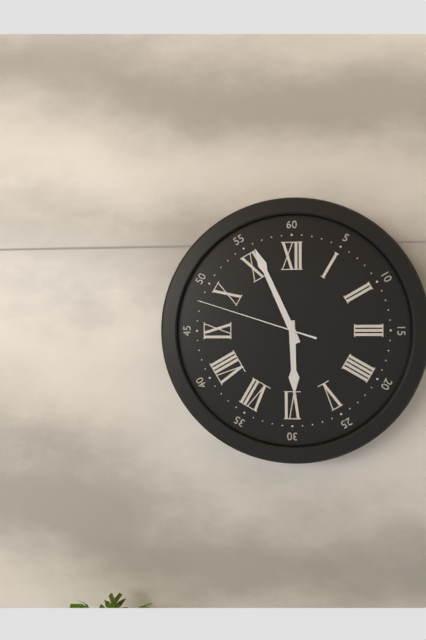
{"hour": 5, "minute": 56, "second": 48}
